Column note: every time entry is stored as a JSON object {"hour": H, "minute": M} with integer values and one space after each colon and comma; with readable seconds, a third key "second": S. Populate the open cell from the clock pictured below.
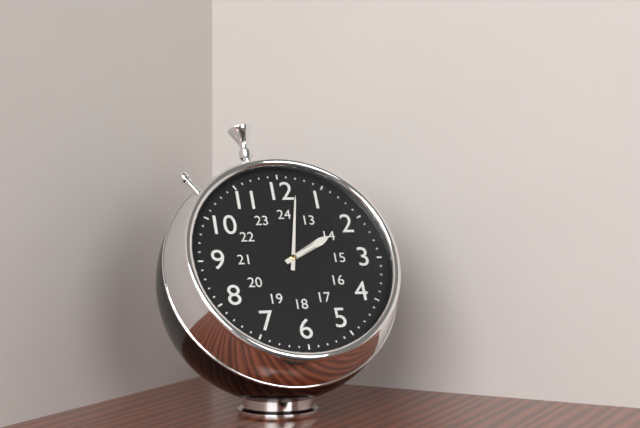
{"hour": 2, "minute": 2}
